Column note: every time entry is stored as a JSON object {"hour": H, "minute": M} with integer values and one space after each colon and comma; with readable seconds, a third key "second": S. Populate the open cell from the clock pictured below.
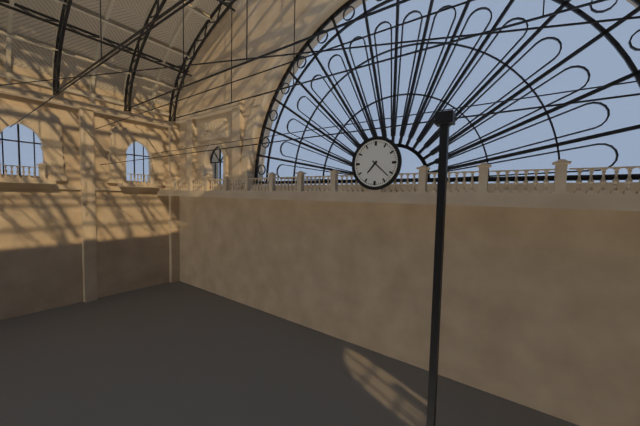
{"hour": 7, "minute": 22}
